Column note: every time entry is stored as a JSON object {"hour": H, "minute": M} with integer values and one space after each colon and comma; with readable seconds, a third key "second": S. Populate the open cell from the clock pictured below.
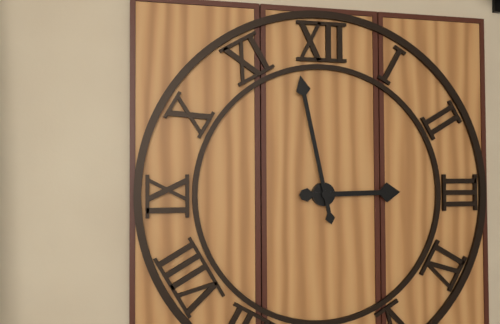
{"hour": 2, "minute": 58}
